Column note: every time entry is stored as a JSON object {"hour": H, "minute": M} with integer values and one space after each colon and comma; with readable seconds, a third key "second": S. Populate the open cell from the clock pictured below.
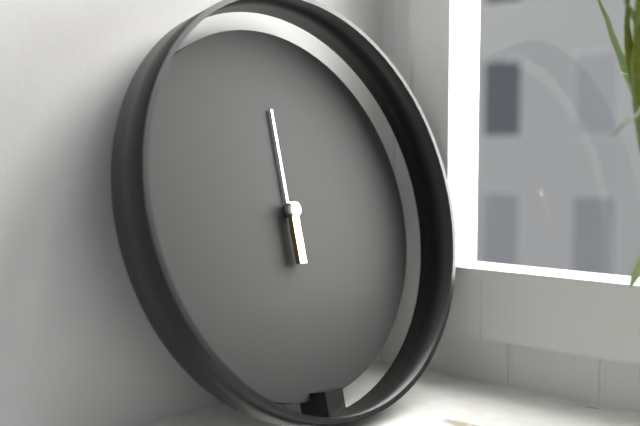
{"hour": 6, "minute": 0}
